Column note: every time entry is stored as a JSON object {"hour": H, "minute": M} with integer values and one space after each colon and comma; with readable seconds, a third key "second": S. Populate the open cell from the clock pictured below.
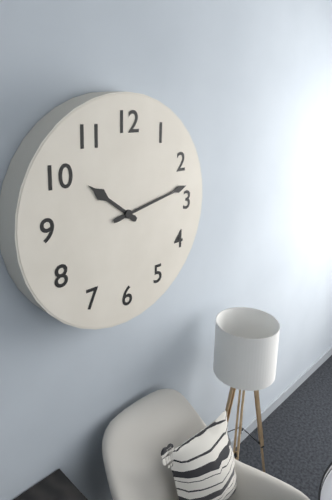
{"hour": 10, "minute": 13}
